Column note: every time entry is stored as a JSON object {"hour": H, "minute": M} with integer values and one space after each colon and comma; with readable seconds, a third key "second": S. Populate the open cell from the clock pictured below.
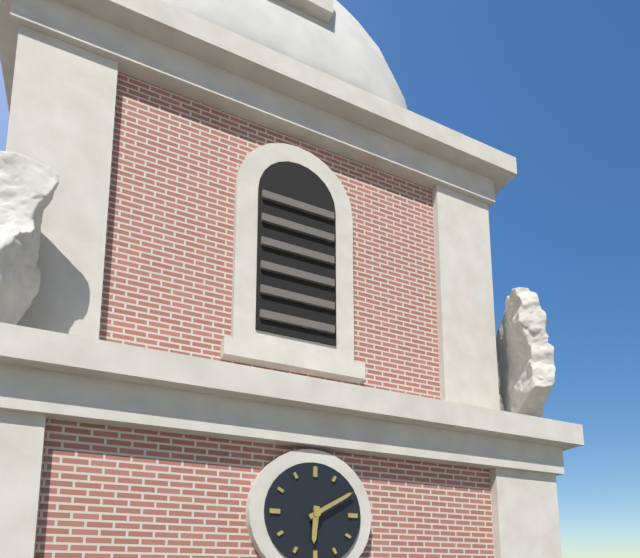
{"hour": 6, "minute": 10}
